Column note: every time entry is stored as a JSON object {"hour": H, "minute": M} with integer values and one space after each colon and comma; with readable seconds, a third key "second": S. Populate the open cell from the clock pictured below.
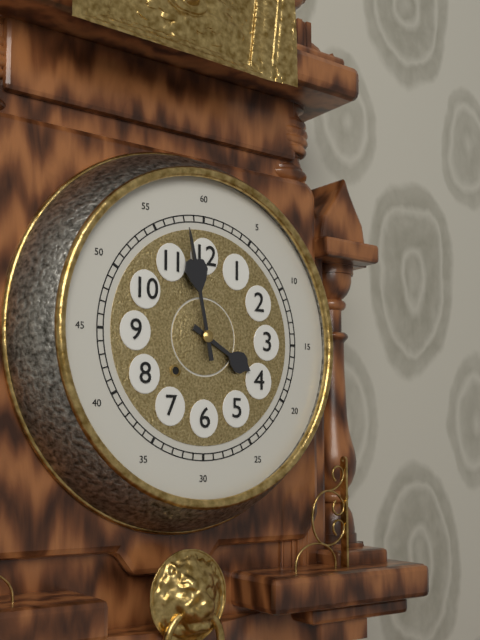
{"hour": 3, "minute": 58}
